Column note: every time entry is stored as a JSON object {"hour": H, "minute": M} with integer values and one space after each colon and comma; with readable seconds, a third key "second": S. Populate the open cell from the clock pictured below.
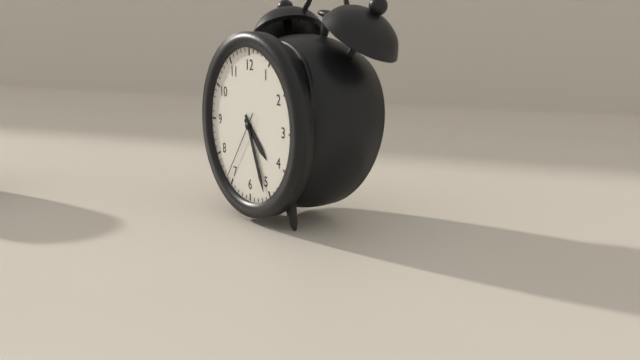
{"hour": 4, "minute": 26, "second": 36}
